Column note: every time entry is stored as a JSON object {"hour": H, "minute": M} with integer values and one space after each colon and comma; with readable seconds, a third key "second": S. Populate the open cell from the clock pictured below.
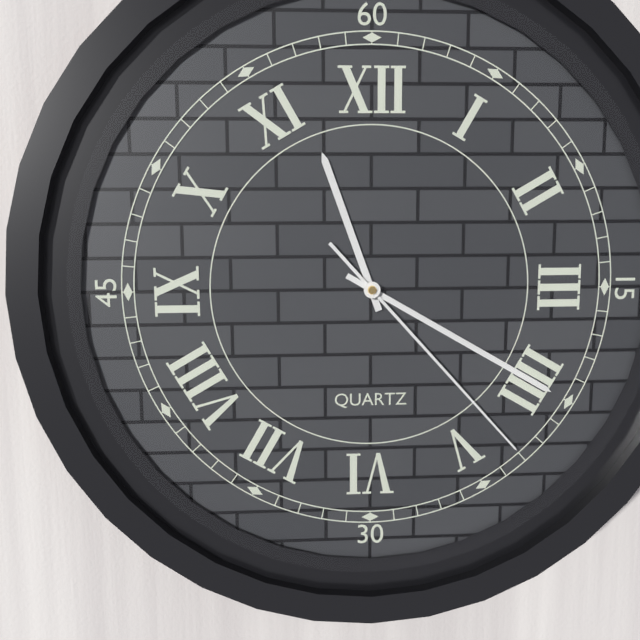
{"hour": 11, "minute": 20, "second": 23}
